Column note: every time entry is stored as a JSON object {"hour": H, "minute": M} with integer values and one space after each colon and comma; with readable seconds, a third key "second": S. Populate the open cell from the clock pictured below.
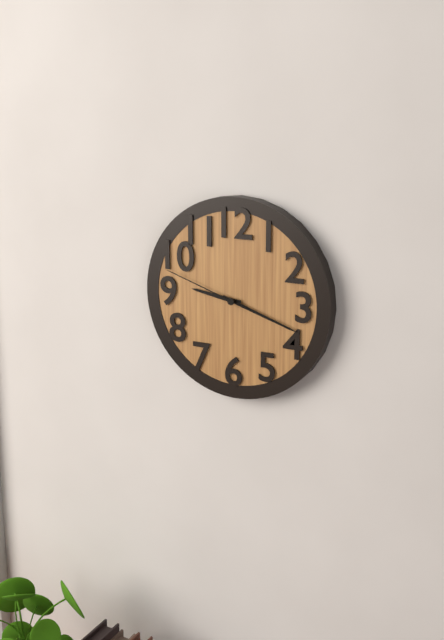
{"hour": 9, "minute": 18, "second": 48}
